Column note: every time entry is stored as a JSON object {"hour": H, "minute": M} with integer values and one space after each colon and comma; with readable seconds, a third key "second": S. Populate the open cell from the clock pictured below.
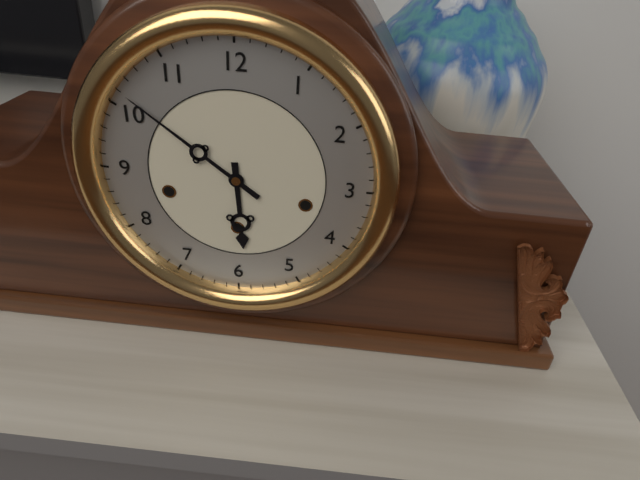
{"hour": 5, "minute": 51}
